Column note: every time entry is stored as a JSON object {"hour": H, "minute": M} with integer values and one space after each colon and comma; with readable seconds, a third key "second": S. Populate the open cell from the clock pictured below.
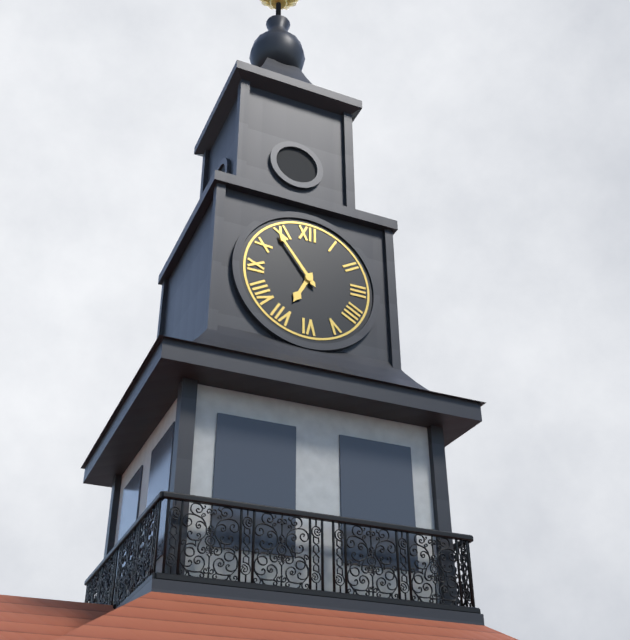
{"hour": 6, "minute": 54}
